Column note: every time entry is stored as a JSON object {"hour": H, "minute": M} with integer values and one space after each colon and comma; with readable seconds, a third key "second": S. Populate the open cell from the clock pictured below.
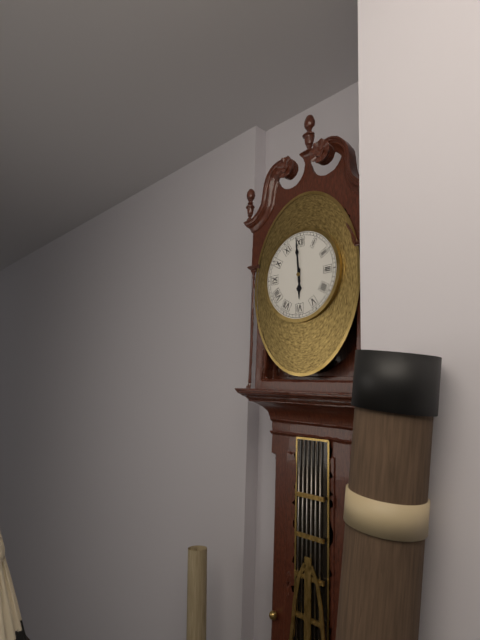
{"hour": 5, "minute": 59}
